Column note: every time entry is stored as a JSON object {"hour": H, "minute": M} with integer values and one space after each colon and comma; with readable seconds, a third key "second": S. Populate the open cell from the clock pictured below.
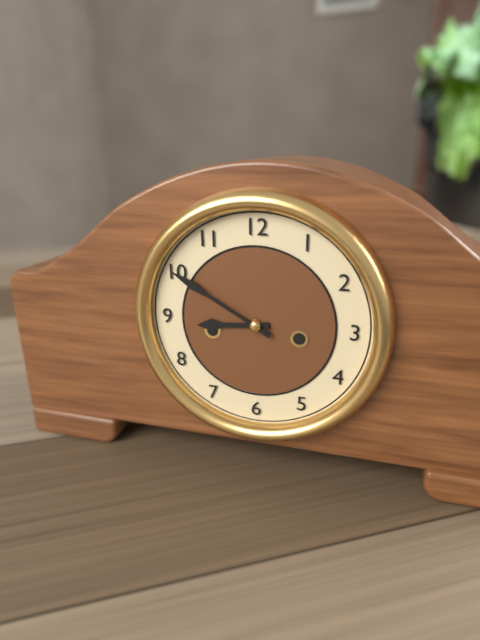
{"hour": 8, "minute": 50}
